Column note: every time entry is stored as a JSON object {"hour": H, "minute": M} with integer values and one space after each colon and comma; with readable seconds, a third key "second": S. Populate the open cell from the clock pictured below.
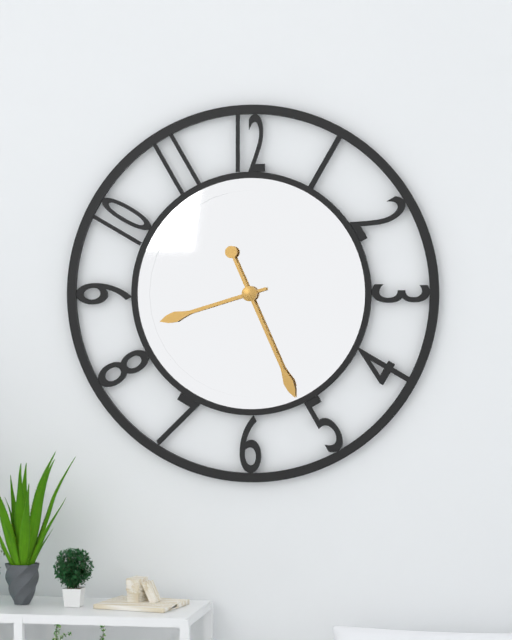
{"hour": 8, "minute": 26}
